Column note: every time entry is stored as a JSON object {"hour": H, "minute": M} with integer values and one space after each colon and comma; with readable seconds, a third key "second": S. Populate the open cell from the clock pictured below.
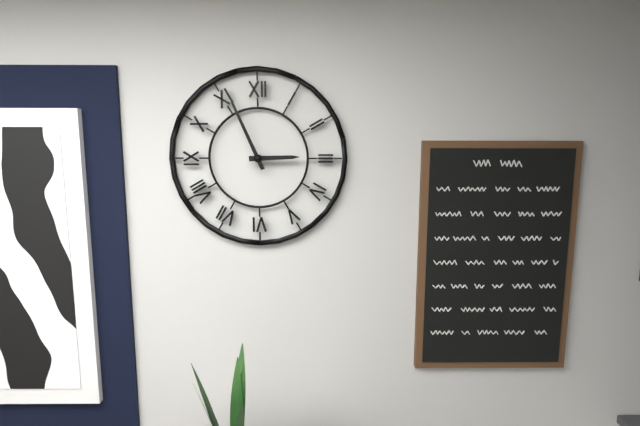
{"hour": 2, "minute": 56}
